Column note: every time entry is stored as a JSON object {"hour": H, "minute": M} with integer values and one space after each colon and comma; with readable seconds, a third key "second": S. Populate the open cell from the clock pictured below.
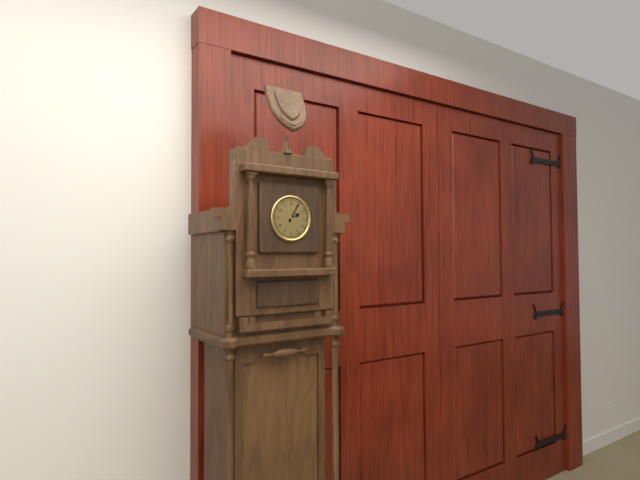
{"hour": 2, "minute": 5}
